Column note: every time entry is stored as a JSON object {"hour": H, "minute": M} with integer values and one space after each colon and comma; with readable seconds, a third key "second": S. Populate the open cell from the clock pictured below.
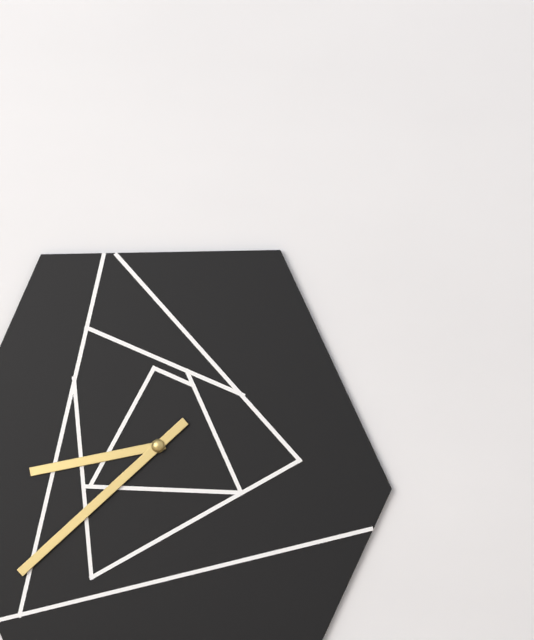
{"hour": 8, "minute": 38}
